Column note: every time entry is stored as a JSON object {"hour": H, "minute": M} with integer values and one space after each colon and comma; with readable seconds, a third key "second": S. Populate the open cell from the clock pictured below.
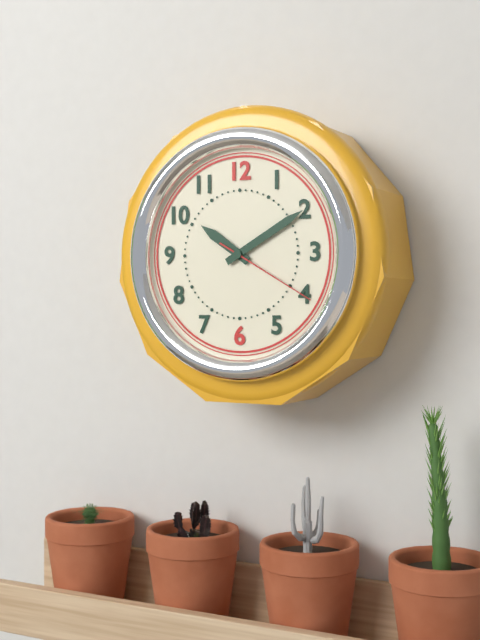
{"hour": 10, "minute": 10, "second": 20}
